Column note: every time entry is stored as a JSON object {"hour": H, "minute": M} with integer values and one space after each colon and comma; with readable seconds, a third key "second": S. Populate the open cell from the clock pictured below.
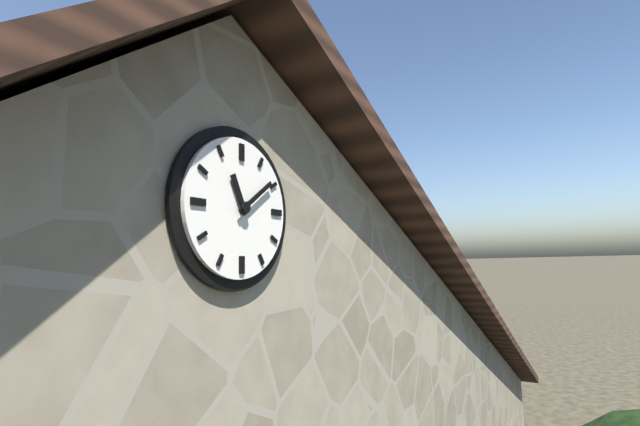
{"hour": 11, "minute": 9}
